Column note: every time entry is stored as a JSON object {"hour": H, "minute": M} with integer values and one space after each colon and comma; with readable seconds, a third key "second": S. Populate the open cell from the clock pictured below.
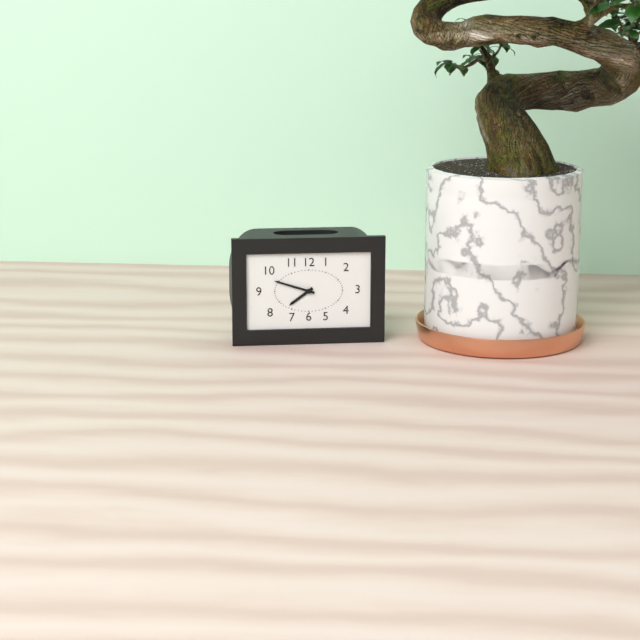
{"hour": 7, "minute": 48}
